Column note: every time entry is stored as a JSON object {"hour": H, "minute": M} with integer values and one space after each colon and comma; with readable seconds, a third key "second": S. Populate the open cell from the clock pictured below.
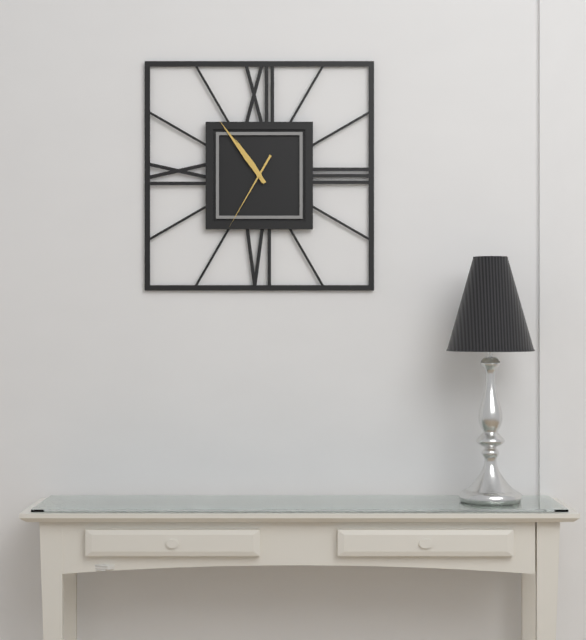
{"hour": 10, "minute": 54, "second": 35}
